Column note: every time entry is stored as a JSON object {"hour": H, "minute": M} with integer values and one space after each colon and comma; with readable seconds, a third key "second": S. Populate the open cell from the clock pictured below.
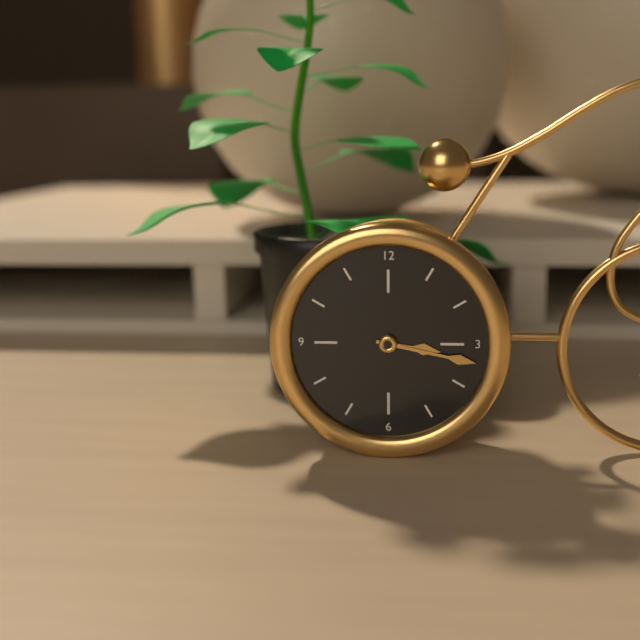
{"hour": 3, "minute": 17}
